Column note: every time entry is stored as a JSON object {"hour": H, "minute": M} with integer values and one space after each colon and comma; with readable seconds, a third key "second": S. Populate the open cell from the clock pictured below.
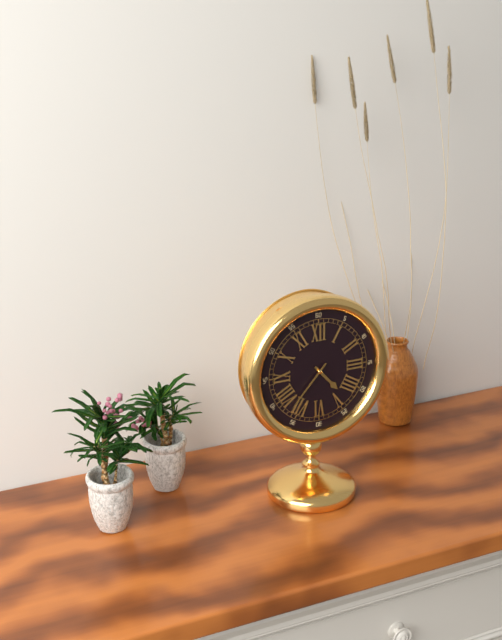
{"hour": 4, "minute": 37}
